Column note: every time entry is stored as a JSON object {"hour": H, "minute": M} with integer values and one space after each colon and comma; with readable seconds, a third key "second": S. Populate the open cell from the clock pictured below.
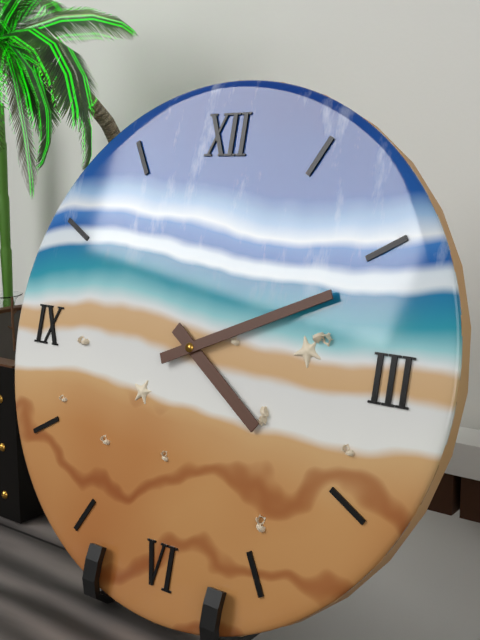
{"hour": 4, "minute": 11}
